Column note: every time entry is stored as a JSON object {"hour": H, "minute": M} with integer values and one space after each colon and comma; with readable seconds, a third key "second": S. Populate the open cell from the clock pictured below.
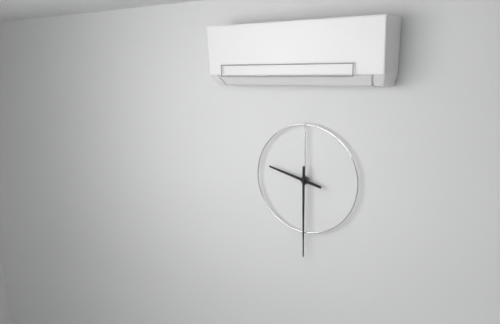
{"hour": 9, "minute": 30}
